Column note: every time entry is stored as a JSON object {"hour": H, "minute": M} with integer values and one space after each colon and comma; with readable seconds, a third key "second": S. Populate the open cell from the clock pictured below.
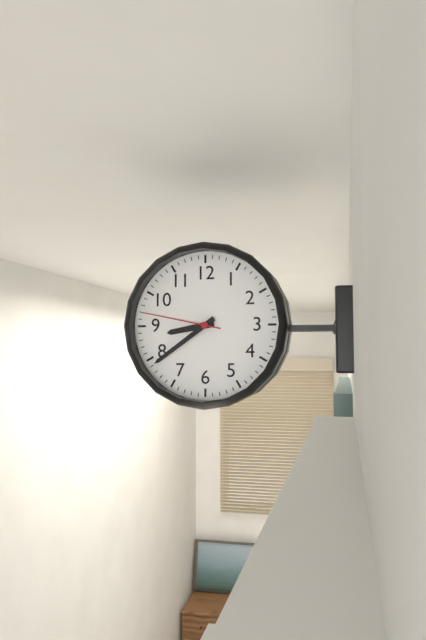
{"hour": 8, "minute": 39, "second": 47}
